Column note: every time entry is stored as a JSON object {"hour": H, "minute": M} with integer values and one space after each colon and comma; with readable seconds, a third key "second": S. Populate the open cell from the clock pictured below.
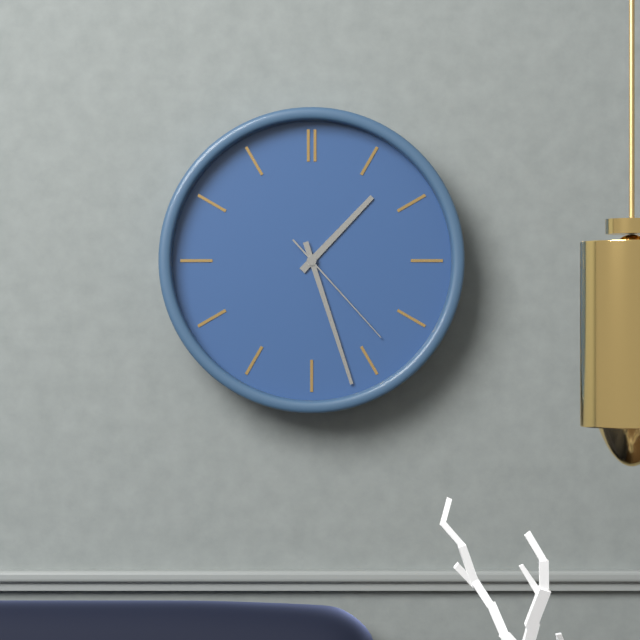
{"hour": 1, "minute": 27, "second": 23}
